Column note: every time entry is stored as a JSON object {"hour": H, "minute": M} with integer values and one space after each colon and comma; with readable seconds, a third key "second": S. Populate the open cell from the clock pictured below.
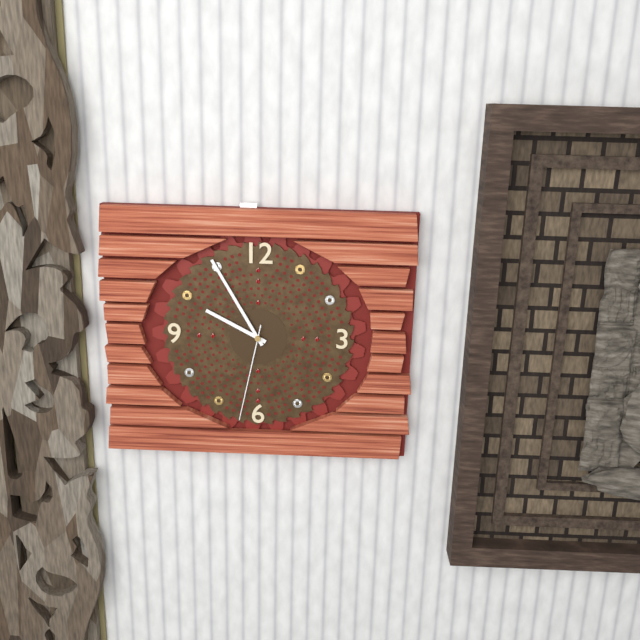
{"hour": 9, "minute": 55, "second": 32}
